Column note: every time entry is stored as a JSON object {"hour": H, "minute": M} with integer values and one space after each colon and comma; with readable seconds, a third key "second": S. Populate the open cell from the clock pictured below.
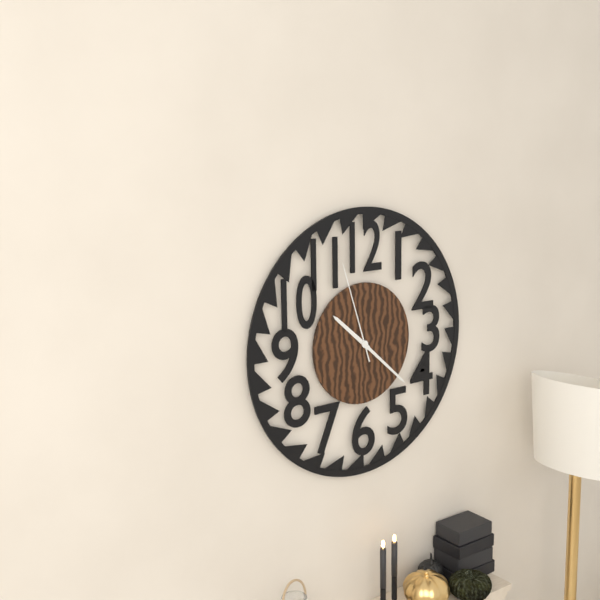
{"hour": 10, "minute": 22, "second": 57}
